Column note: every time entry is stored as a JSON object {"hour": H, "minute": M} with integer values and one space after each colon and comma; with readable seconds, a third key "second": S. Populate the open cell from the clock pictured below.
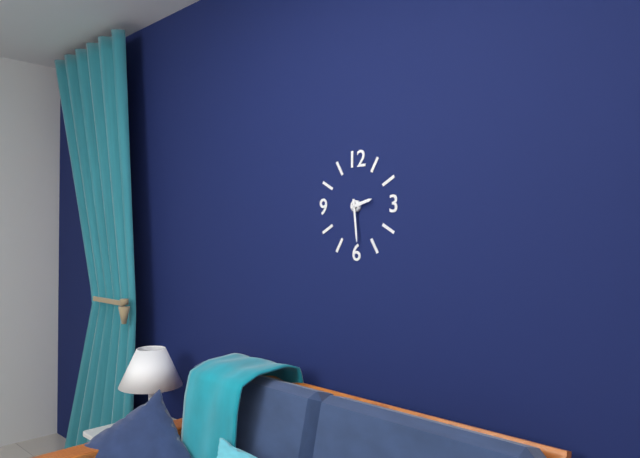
{"hour": 2, "minute": 29}
